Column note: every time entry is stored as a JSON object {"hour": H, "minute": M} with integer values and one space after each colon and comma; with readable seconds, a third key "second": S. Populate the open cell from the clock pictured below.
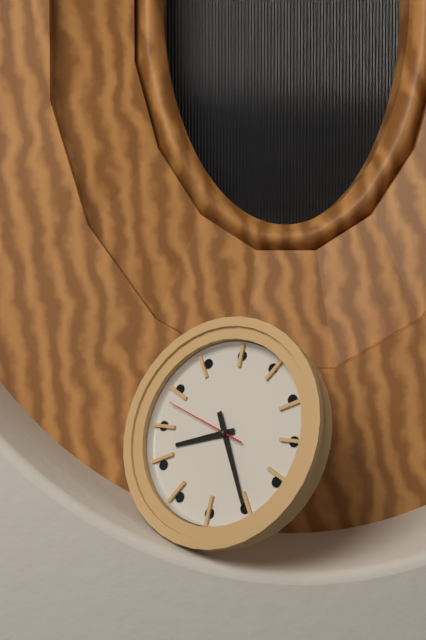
{"hour": 8, "minute": 25, "second": 48}
